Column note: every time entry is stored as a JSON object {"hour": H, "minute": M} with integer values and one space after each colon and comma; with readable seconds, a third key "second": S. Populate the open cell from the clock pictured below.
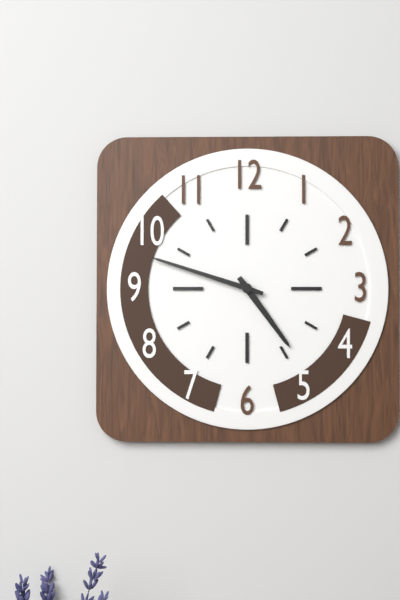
{"hour": 4, "minute": 48}
